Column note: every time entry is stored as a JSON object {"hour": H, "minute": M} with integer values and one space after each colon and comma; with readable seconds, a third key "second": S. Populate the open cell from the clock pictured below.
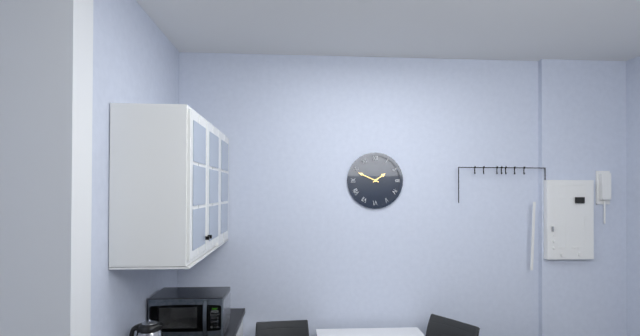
{"hour": 1, "minute": 49}
